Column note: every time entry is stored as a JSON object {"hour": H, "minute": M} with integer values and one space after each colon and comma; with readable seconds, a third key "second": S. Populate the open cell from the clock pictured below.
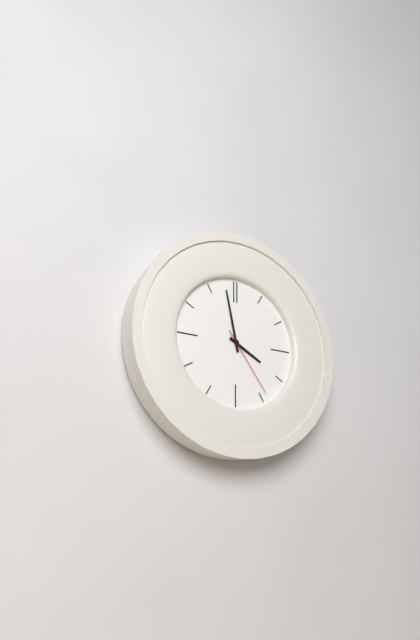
{"hour": 3, "minute": 58, "second": 24}
